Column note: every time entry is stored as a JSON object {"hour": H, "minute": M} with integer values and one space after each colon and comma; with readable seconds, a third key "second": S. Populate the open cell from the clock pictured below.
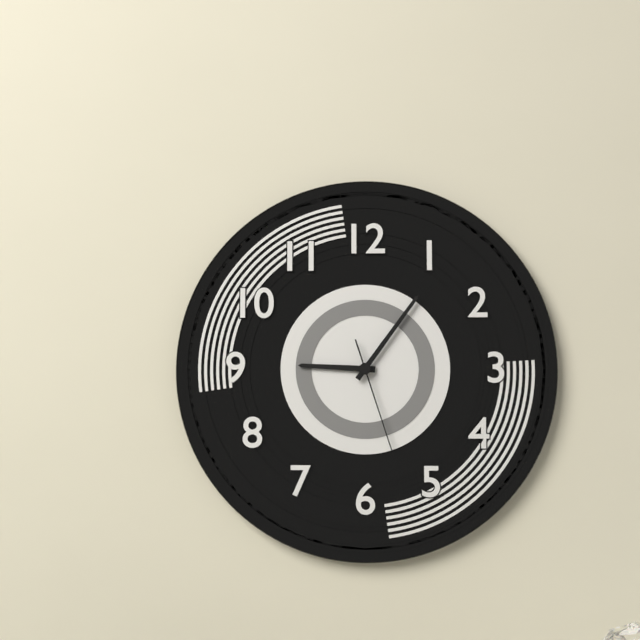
{"hour": 9, "minute": 6, "second": 27}
